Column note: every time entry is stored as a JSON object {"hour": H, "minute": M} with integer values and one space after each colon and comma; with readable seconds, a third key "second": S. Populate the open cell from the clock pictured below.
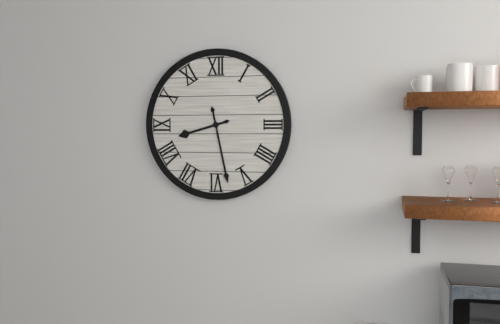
{"hour": 8, "minute": 28}
